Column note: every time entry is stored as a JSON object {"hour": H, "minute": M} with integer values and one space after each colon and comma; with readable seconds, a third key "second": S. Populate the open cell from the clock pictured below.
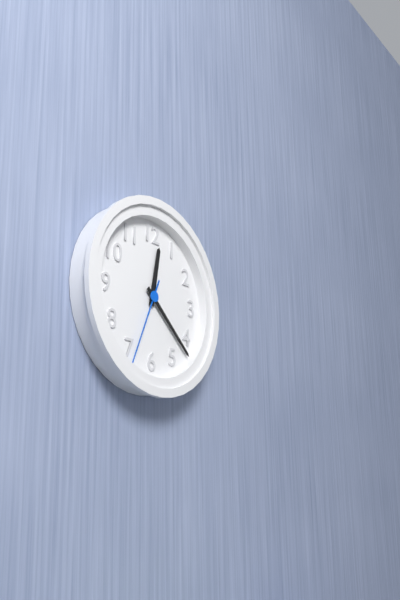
{"hour": 12, "minute": 22, "second": 34}
